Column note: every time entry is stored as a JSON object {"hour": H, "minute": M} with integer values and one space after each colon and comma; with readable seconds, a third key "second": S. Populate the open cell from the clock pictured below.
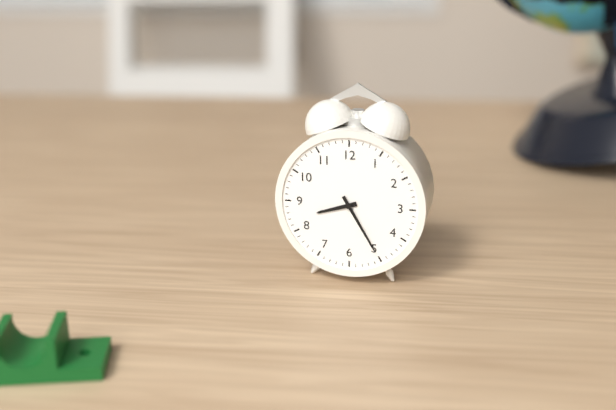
{"hour": 8, "minute": 25}
